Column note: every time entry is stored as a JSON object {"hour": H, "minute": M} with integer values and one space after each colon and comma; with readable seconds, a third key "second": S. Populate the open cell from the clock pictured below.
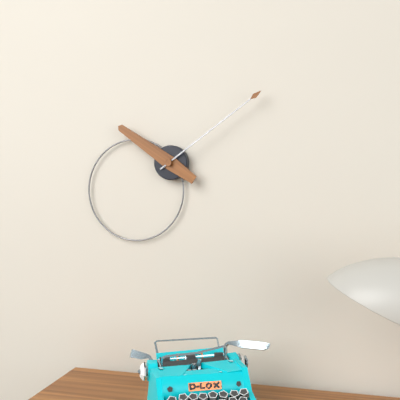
{"hour": 10, "minute": 9}
